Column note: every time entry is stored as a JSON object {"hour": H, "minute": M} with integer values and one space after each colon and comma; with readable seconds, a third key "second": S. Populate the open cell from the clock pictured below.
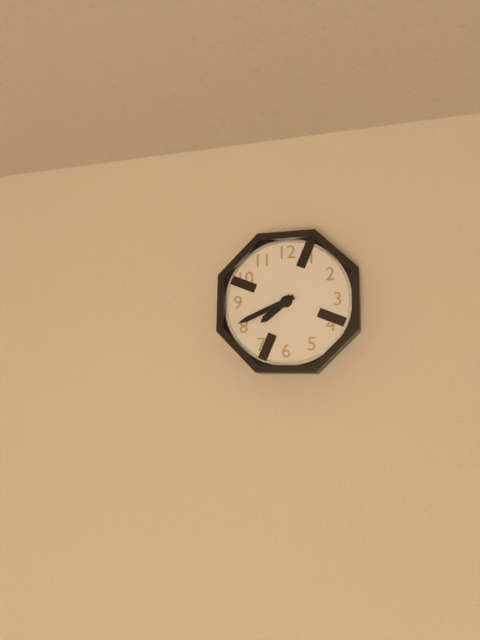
{"hour": 7, "minute": 41}
